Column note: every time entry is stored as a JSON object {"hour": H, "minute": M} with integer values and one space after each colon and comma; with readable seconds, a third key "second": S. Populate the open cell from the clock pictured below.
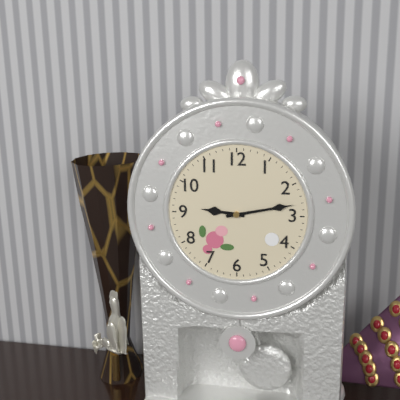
{"hour": 9, "minute": 13}
